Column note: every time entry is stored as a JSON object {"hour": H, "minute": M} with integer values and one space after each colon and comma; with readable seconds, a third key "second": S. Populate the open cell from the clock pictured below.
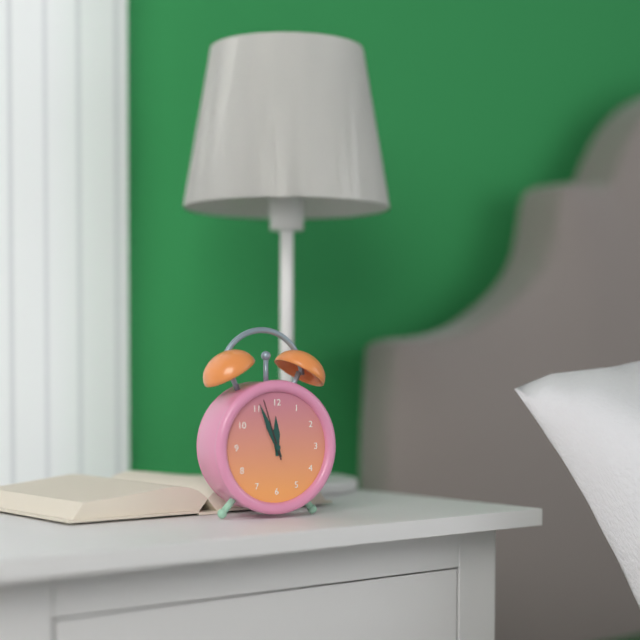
{"hour": 11, "minute": 56, "second": 57}
